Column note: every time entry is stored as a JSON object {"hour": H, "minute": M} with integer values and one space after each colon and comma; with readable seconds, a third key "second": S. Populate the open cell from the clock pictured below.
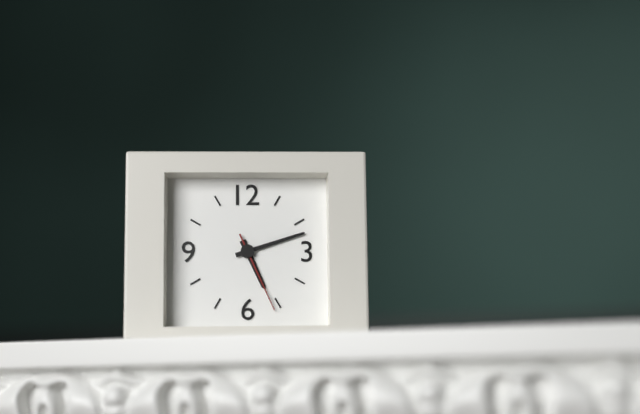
{"hour": 5, "minute": 12, "second": 26}
